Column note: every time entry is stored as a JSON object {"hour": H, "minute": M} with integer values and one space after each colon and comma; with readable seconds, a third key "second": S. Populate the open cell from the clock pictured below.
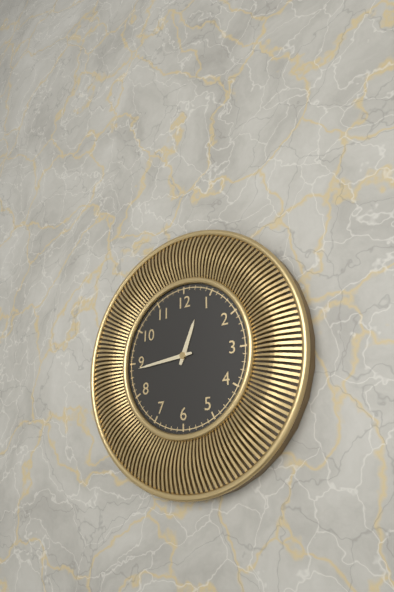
{"hour": 12, "minute": 44}
